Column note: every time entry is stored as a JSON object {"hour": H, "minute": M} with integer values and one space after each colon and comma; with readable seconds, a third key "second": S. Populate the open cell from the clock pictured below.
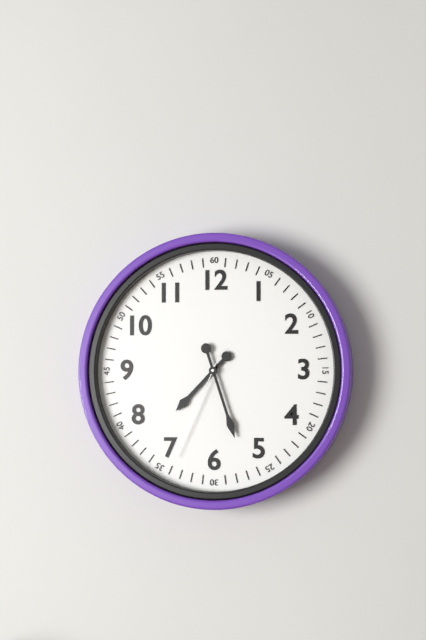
{"hour": 7, "minute": 27, "second": 34}
